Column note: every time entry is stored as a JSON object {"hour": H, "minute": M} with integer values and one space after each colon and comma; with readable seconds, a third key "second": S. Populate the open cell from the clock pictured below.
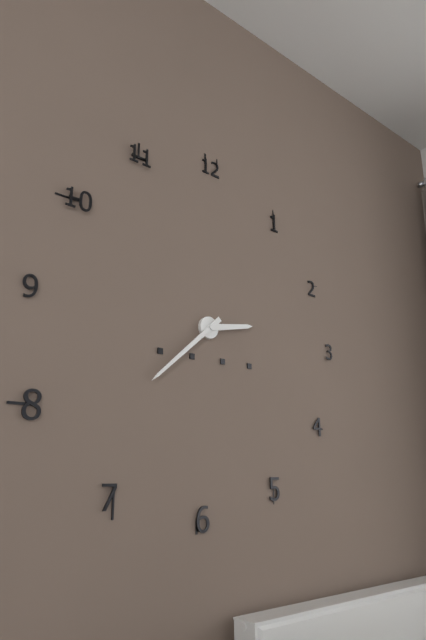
{"hour": 2, "minute": 38}
